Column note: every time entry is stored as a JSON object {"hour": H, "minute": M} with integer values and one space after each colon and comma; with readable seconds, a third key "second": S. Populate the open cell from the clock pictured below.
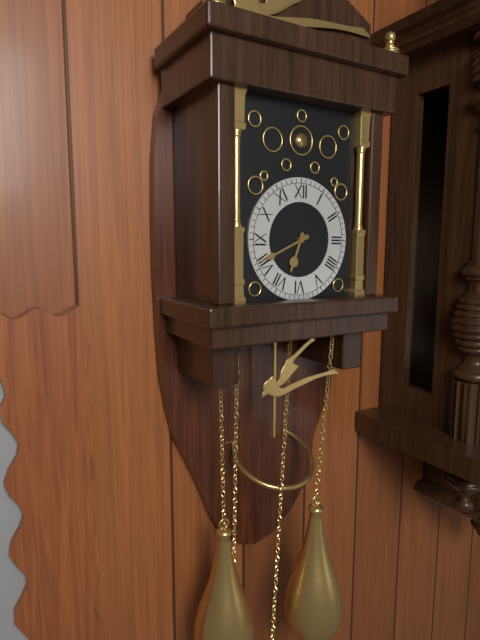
{"hour": 6, "minute": 41}
